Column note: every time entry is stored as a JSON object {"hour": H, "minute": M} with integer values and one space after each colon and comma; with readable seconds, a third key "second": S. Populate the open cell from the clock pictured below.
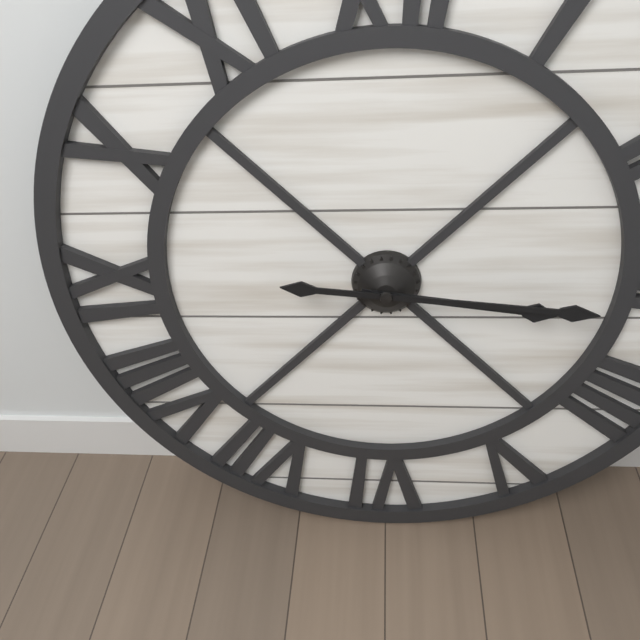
{"hour": 3, "minute": 16}
